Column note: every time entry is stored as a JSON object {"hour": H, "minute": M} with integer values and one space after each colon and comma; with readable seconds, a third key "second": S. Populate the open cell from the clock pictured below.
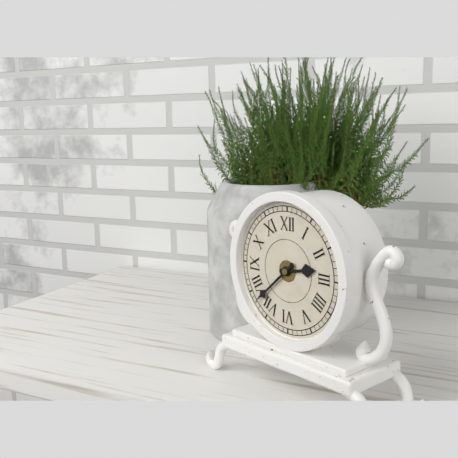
{"hour": 2, "minute": 38}
